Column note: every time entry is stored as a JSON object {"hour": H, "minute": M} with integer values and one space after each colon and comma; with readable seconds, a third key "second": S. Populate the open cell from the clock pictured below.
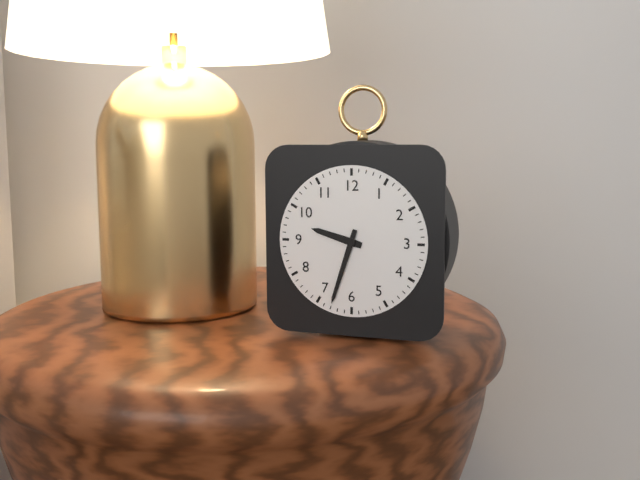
{"hour": 9, "minute": 33}
